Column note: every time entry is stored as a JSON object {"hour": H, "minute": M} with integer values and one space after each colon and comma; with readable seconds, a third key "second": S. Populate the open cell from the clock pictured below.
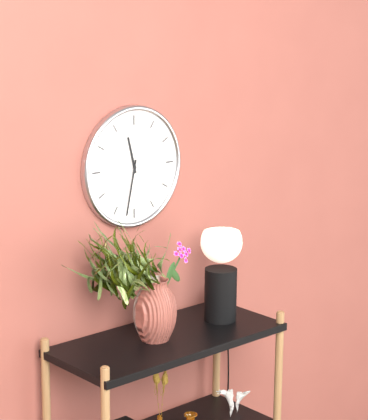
{"hour": 11, "minute": 32}
